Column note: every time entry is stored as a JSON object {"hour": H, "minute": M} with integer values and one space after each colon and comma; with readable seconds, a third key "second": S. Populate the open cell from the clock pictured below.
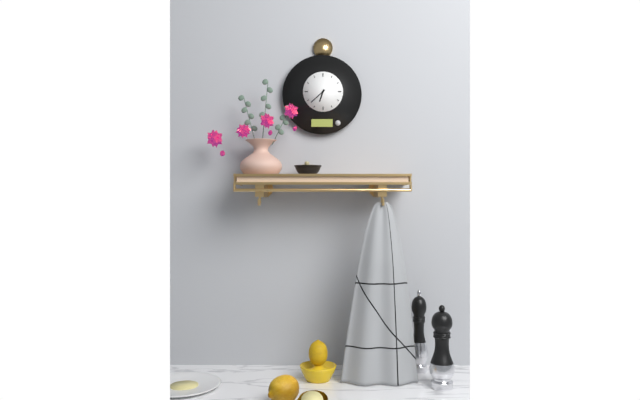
{"hour": 6, "minute": 38}
